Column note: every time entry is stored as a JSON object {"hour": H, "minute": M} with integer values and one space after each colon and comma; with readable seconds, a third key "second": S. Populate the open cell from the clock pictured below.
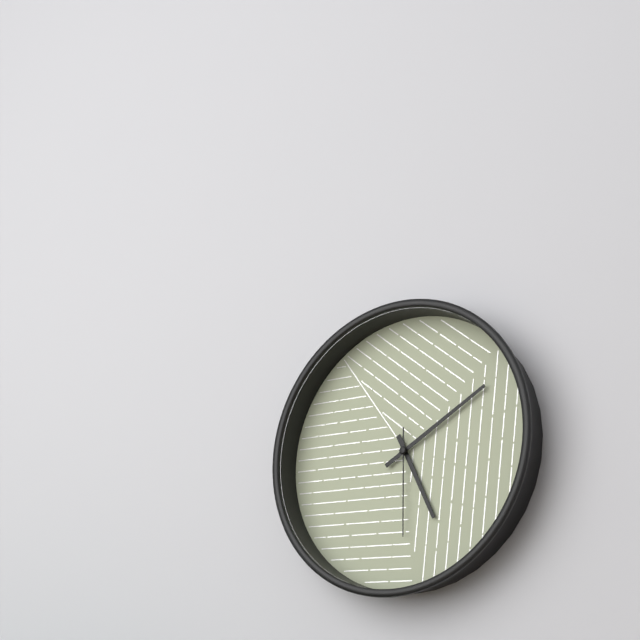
{"hour": 5, "minute": 10, "second": 30}
